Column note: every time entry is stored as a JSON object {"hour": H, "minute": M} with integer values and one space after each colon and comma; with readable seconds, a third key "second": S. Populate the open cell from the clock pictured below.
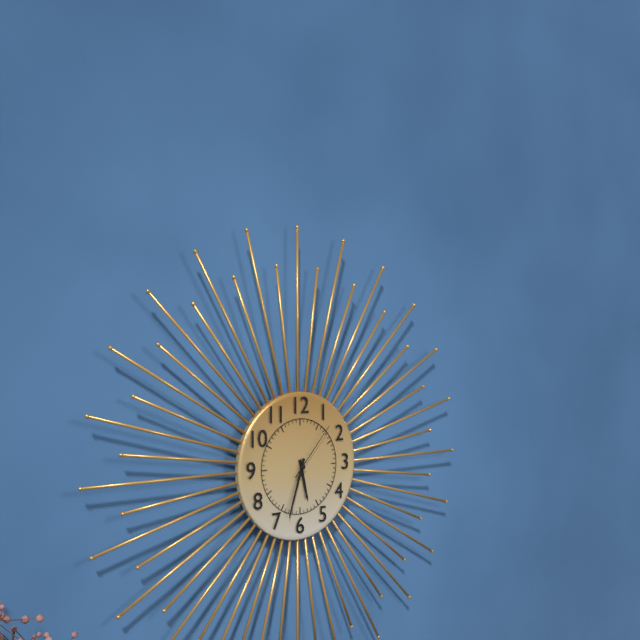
{"hour": 5, "minute": 33, "second": 7}
